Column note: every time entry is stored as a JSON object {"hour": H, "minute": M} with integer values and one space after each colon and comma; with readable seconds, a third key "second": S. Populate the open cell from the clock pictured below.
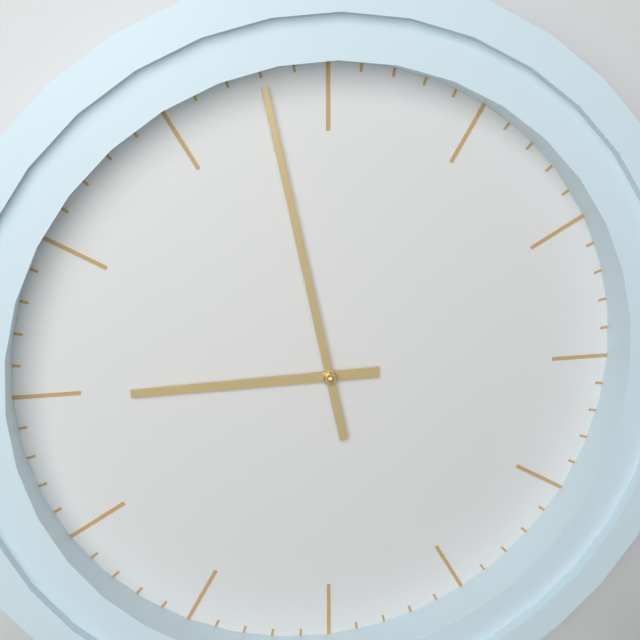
{"hour": 8, "minute": 58}
